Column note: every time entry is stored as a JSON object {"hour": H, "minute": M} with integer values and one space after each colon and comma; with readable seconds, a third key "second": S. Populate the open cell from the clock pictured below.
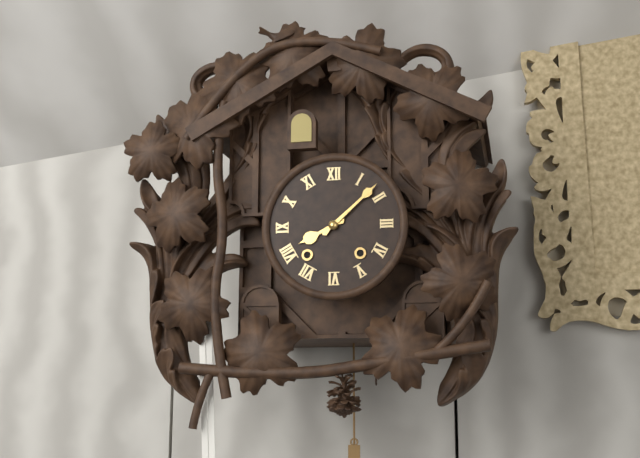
{"hour": 8, "minute": 8}
